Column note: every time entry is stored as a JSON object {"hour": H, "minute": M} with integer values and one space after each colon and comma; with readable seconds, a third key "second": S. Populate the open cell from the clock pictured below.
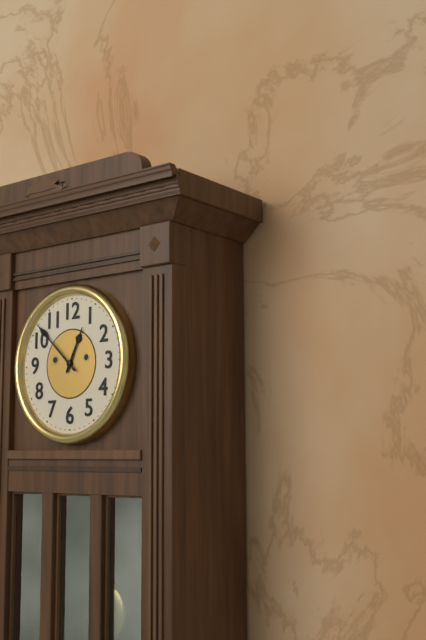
{"hour": 12, "minute": 52}
